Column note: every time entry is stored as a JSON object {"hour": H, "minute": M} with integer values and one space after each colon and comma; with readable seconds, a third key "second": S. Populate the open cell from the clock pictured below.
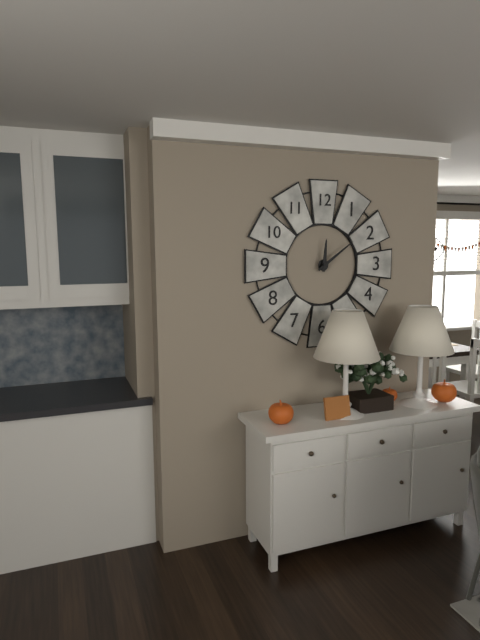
{"hour": 12, "minute": 9}
